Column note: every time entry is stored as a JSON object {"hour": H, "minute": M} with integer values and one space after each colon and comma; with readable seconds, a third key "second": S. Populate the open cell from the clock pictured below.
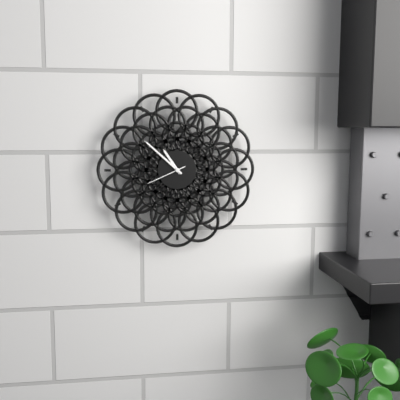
{"hour": 10, "minute": 52}
